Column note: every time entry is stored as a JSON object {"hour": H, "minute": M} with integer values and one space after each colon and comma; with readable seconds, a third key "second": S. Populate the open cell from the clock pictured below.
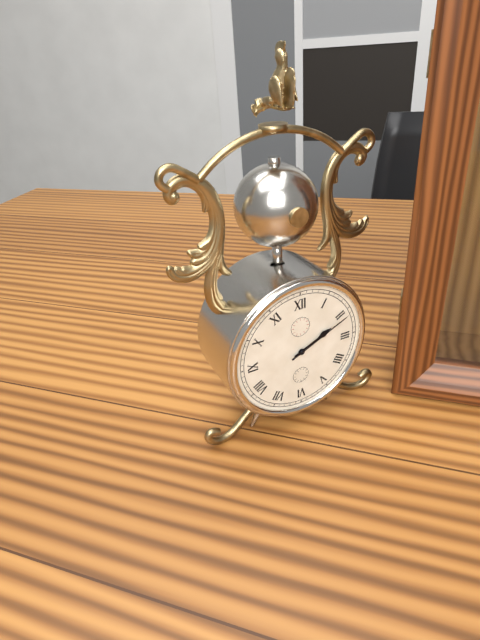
{"hour": 2, "minute": 11}
